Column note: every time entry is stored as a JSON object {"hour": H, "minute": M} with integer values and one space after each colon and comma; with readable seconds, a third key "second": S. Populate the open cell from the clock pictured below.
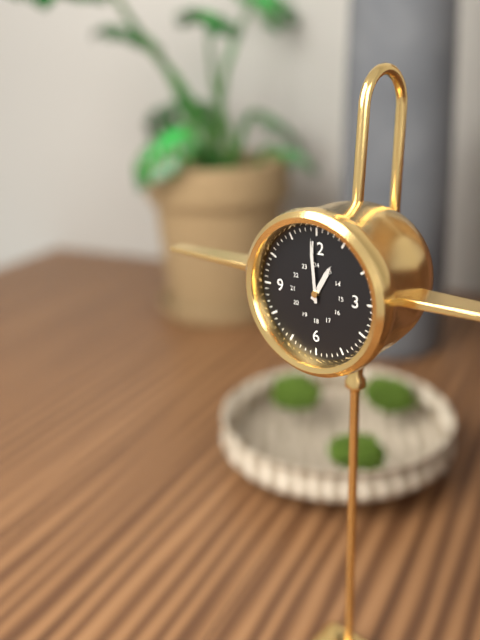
{"hour": 12, "minute": 59}
